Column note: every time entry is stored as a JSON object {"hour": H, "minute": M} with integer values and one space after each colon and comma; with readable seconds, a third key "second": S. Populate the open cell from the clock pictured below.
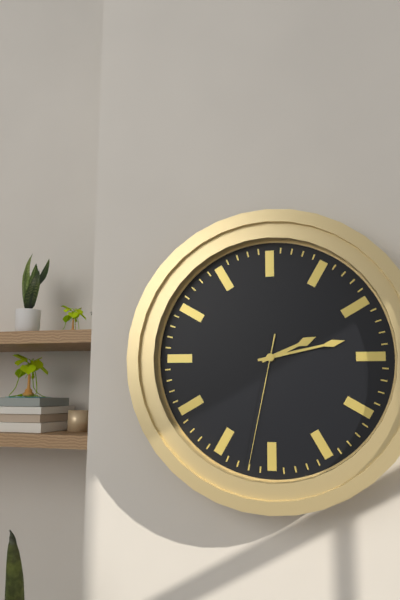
{"hour": 2, "minute": 13, "second": 32}
